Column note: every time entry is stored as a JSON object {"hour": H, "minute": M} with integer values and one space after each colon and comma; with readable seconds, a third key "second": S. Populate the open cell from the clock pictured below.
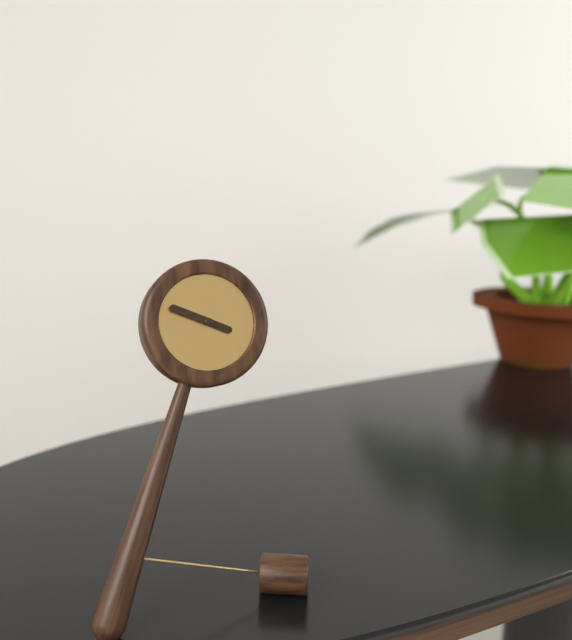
{"hour": 3, "minute": 49}
